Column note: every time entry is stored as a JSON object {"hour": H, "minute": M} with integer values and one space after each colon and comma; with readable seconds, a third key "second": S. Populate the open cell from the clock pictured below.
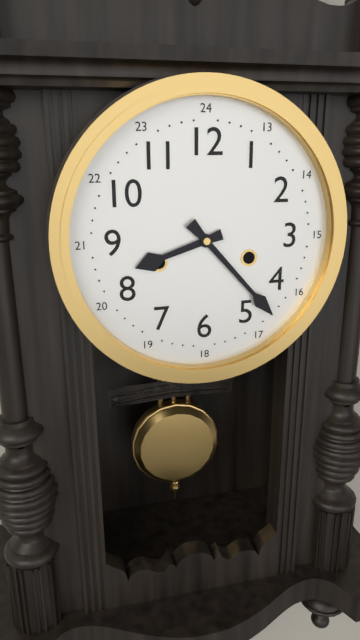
{"hour": 8, "minute": 23}
